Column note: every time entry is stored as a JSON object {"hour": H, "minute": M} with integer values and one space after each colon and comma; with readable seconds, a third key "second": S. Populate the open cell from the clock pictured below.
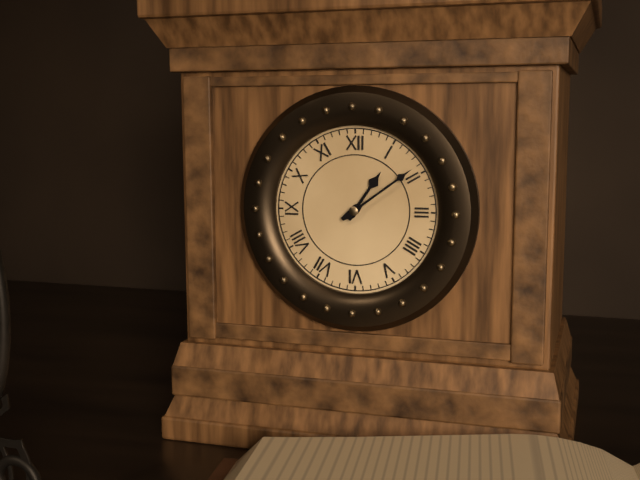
{"hour": 1, "minute": 9}
